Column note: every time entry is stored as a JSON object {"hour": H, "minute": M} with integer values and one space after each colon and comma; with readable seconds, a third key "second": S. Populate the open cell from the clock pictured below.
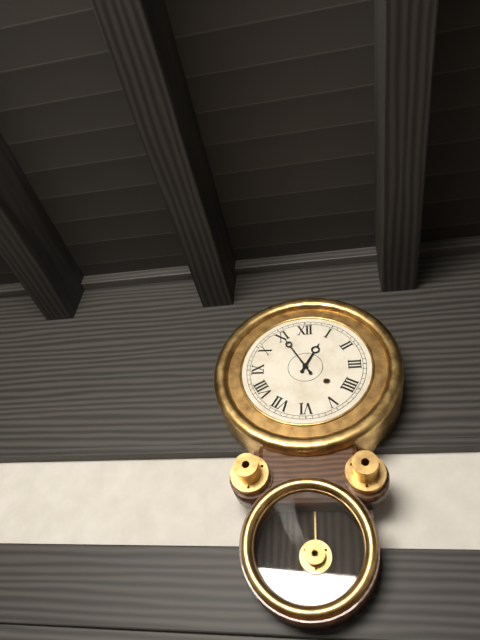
{"hour": 12, "minute": 55}
